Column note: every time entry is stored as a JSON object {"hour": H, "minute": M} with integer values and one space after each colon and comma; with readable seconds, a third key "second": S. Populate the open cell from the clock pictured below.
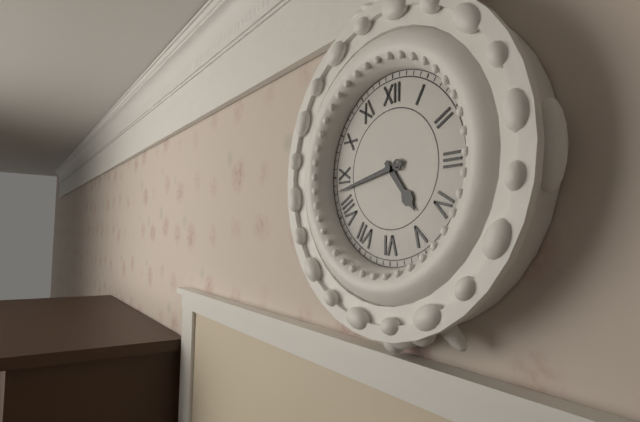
{"hour": 4, "minute": 43}
